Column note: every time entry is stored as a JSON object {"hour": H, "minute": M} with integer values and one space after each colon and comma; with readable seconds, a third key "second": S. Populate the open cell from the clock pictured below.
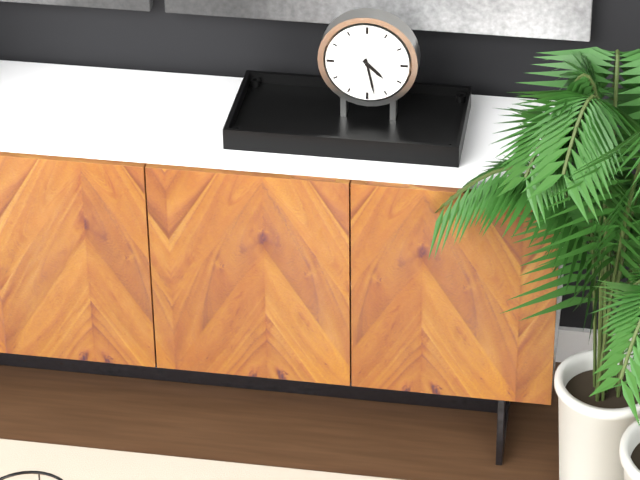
{"hour": 4, "minute": 28}
